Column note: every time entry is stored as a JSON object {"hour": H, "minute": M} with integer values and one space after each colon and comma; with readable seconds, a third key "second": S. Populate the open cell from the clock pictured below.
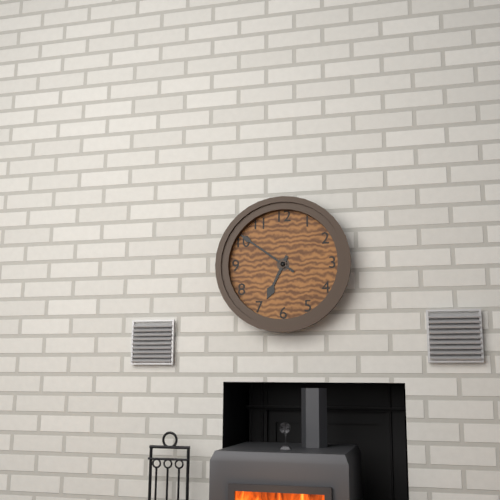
{"hour": 6, "minute": 51}
